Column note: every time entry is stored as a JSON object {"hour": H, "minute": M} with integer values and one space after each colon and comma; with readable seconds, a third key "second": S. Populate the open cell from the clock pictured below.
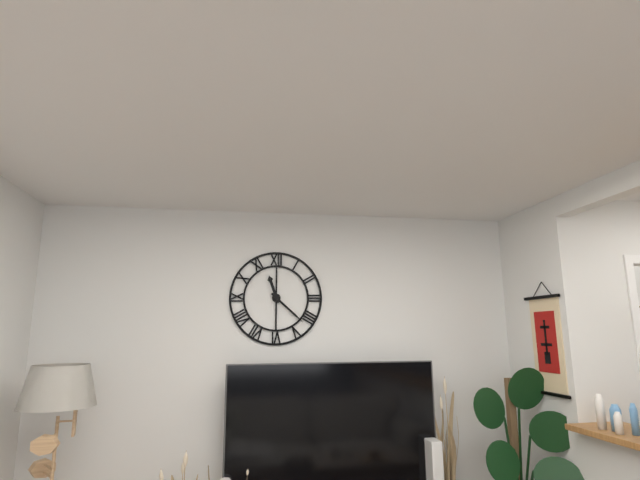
{"hour": 11, "minute": 22}
